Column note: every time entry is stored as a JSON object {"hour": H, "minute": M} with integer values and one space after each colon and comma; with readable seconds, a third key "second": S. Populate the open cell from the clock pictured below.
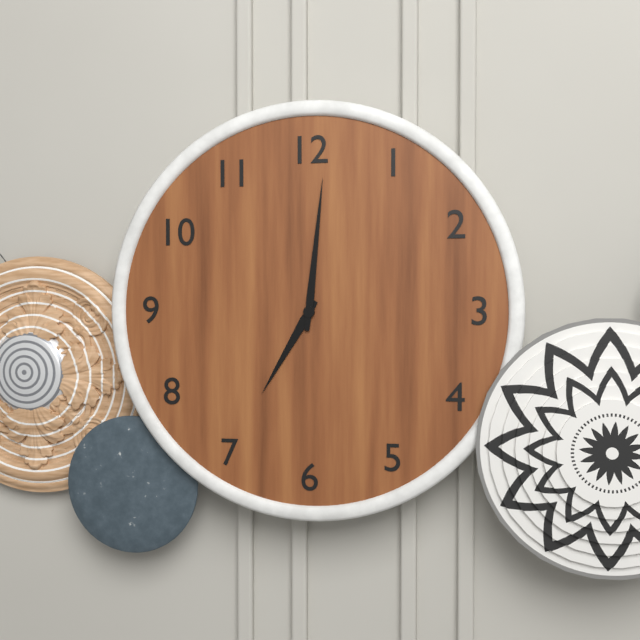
{"hour": 7, "minute": 1}
